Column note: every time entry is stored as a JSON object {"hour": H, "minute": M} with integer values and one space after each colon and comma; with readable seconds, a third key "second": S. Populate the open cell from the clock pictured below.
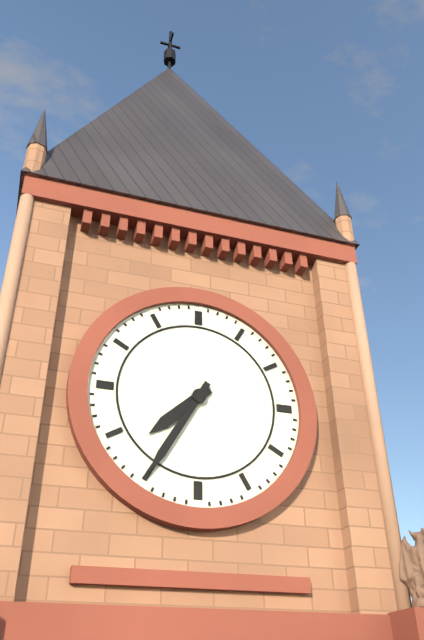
{"hour": 7, "minute": 35}
